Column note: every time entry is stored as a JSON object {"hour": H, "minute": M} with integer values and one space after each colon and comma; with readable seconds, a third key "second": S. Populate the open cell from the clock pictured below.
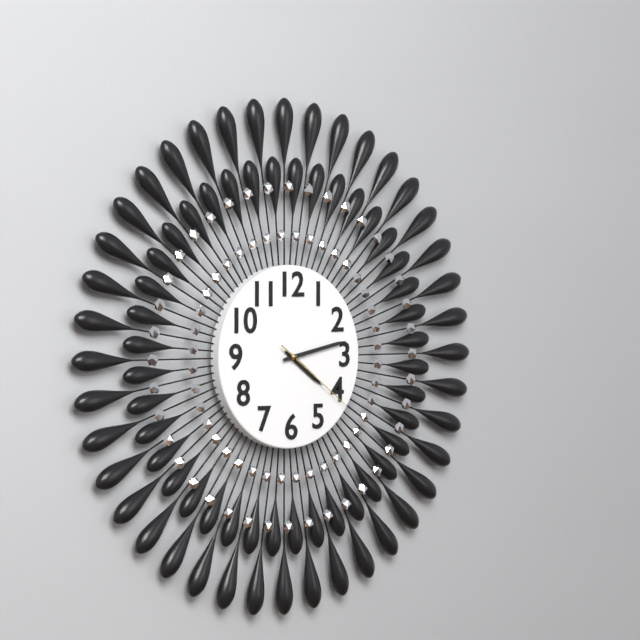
{"hour": 4, "minute": 13, "second": 21}
